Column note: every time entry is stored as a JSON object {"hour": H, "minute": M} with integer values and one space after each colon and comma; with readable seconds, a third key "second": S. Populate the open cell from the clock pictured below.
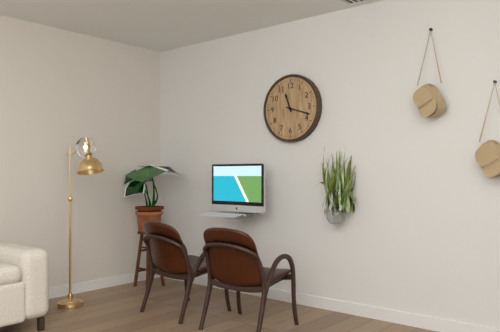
{"hour": 11, "minute": 18}
